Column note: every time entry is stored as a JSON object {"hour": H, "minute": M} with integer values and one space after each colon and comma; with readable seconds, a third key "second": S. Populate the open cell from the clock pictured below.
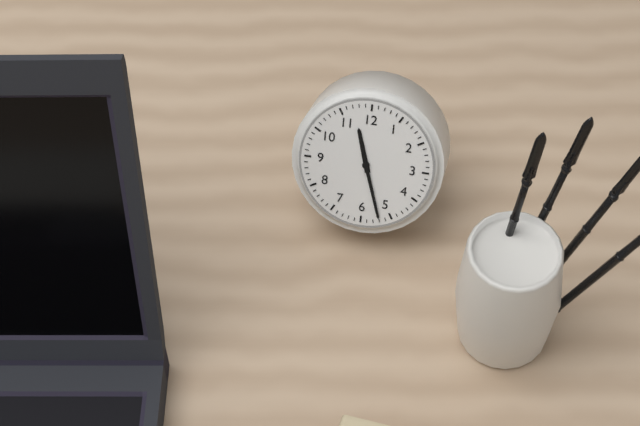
{"hour": 11, "minute": 27}
